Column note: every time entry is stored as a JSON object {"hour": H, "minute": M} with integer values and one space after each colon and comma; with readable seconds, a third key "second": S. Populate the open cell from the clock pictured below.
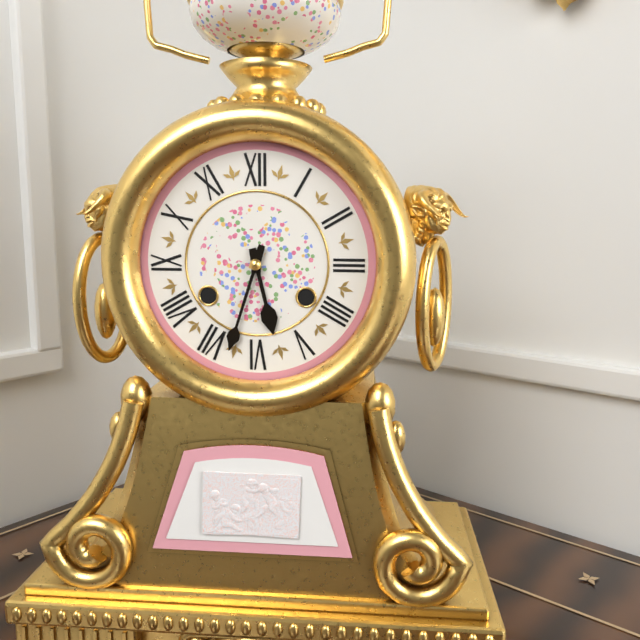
{"hour": 5, "minute": 33}
